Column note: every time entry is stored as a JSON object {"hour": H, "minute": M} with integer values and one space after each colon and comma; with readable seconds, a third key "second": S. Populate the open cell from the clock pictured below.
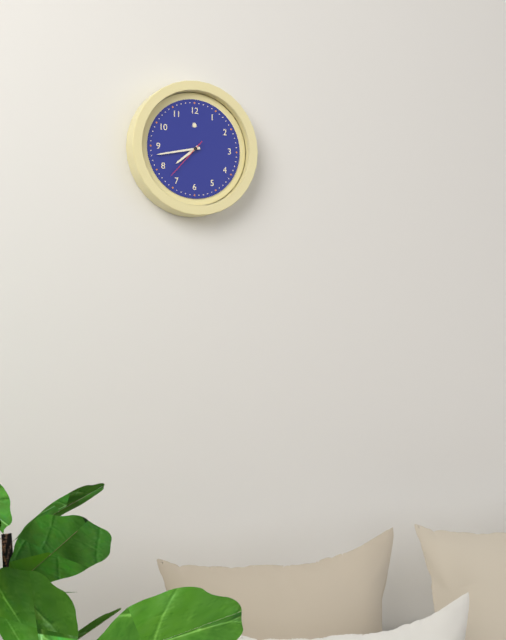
{"hour": 7, "minute": 43}
